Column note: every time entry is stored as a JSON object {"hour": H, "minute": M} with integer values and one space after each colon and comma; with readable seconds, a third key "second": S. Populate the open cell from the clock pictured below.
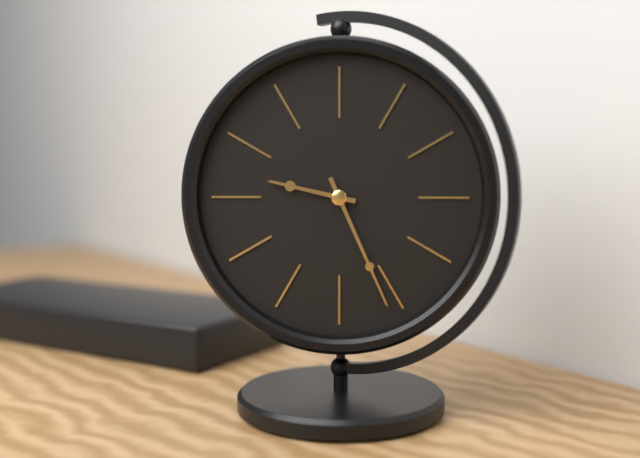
{"hour": 9, "minute": 26}
